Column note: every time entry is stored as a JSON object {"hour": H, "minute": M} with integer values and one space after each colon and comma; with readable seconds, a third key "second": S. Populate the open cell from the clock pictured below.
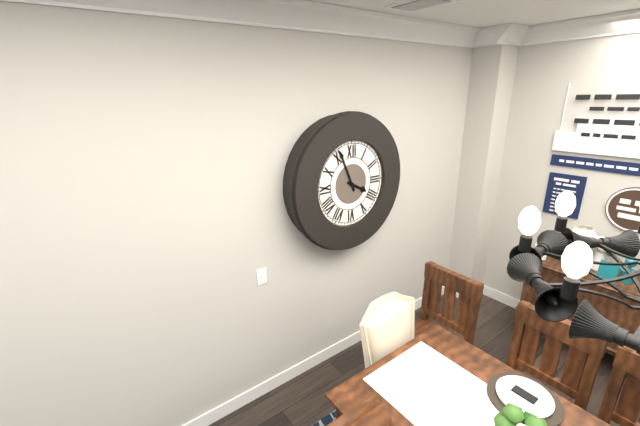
{"hour": 3, "minute": 56}
